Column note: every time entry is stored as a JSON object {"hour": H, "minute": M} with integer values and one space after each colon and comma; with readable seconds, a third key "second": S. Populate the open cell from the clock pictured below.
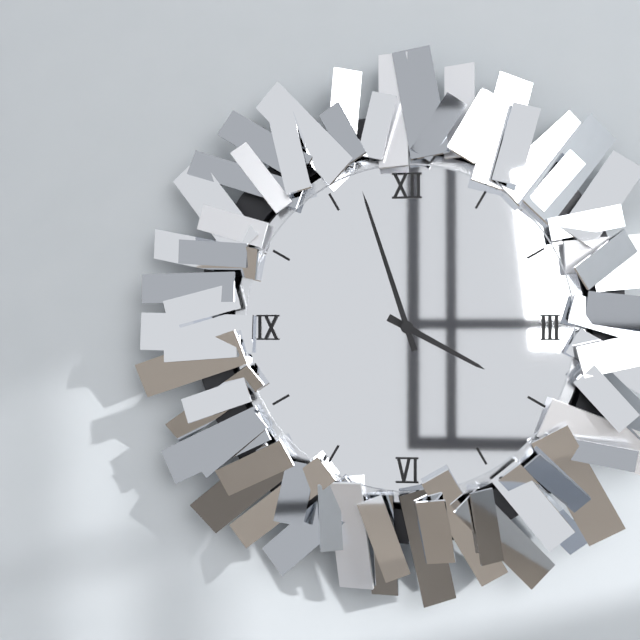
{"hour": 3, "minute": 57}
